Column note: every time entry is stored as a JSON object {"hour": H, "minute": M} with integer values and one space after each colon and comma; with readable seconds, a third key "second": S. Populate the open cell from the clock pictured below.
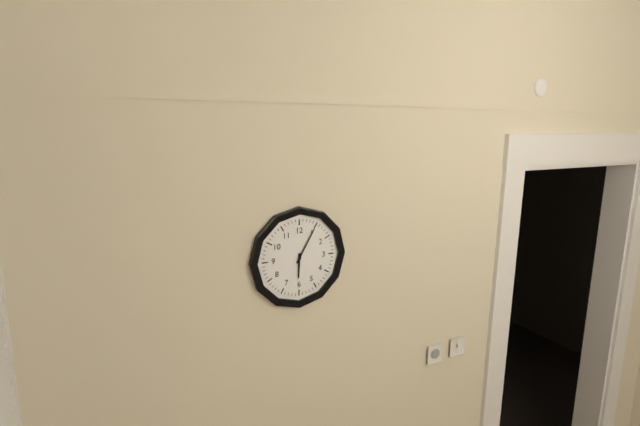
{"hour": 6, "minute": 5}
